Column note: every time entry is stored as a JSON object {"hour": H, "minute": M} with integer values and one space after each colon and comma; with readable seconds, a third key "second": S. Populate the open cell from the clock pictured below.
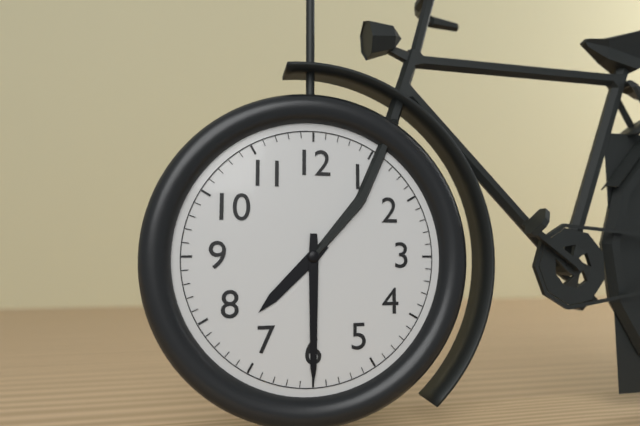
{"hour": 7, "minute": 30}
